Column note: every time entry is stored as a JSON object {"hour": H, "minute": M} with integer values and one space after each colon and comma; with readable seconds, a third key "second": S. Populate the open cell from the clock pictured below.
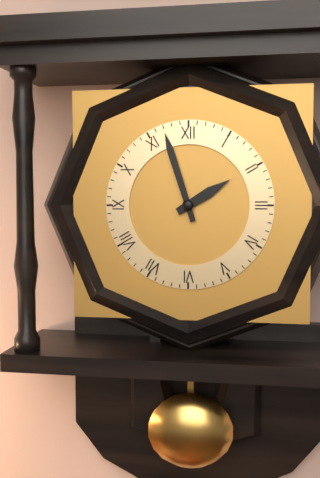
{"hour": 1, "minute": 57}
